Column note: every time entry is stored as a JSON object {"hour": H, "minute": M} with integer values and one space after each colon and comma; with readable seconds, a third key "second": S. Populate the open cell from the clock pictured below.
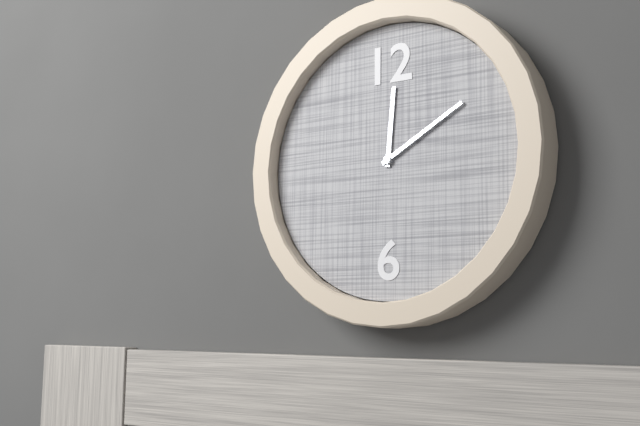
{"hour": 12, "minute": 10}
